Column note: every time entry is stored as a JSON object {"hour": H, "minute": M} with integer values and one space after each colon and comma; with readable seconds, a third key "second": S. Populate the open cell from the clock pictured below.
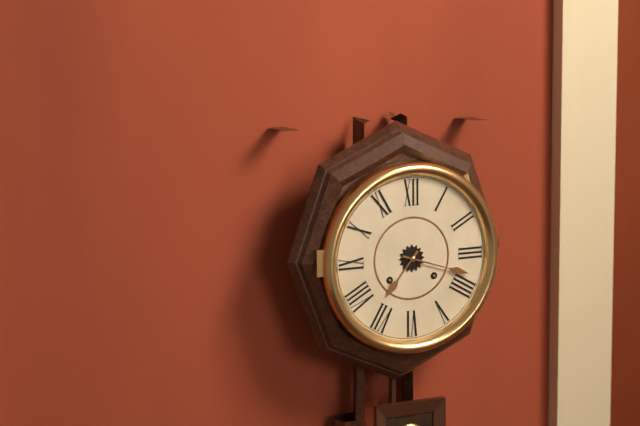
{"hour": 7, "minute": 18}
